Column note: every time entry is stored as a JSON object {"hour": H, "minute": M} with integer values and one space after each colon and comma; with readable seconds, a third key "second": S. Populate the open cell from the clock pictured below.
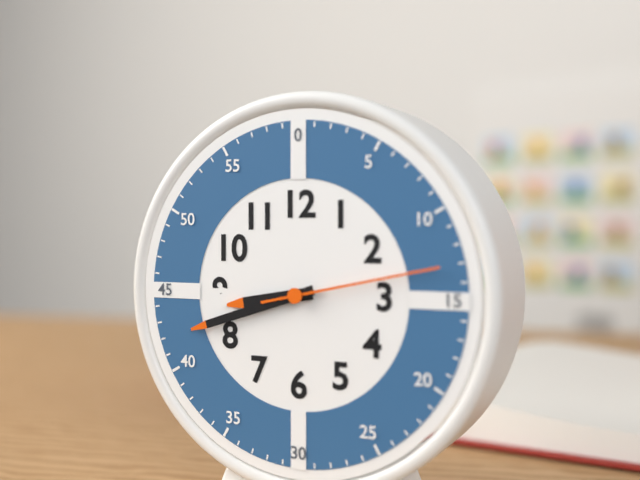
{"hour": 8, "minute": 42, "second": 13}
